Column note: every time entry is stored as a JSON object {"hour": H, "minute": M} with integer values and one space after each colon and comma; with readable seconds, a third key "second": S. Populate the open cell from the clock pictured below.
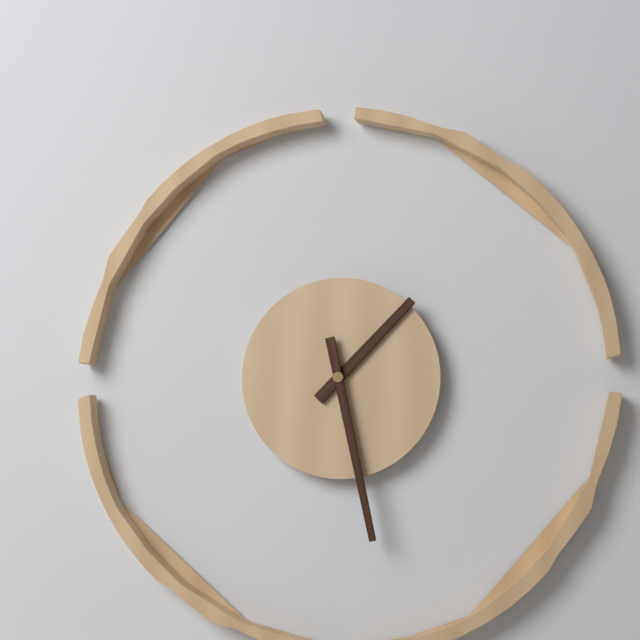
{"hour": 1, "minute": 28}
